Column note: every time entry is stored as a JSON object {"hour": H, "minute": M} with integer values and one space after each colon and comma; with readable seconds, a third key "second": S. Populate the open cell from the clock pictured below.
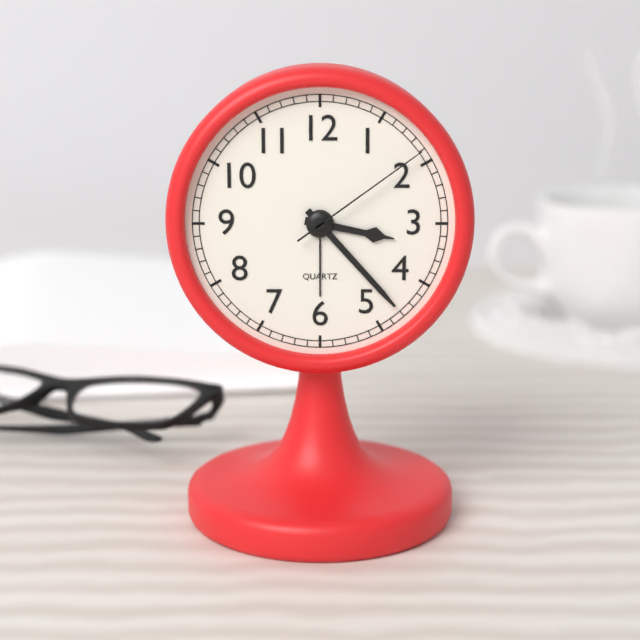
{"hour": 3, "minute": 23, "second": 9}
